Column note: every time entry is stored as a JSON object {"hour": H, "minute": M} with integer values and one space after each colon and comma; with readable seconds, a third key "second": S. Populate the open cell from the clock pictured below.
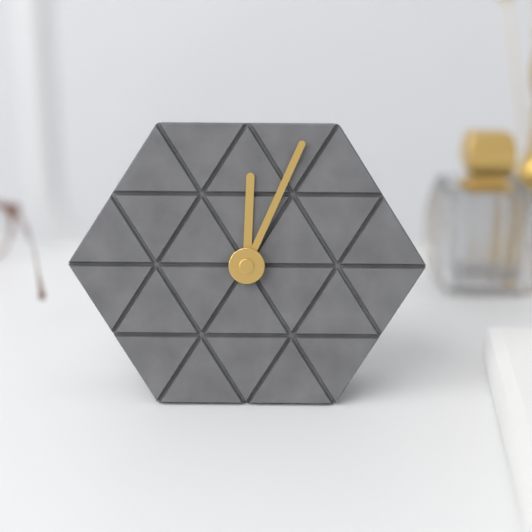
{"hour": 12, "minute": 4}
